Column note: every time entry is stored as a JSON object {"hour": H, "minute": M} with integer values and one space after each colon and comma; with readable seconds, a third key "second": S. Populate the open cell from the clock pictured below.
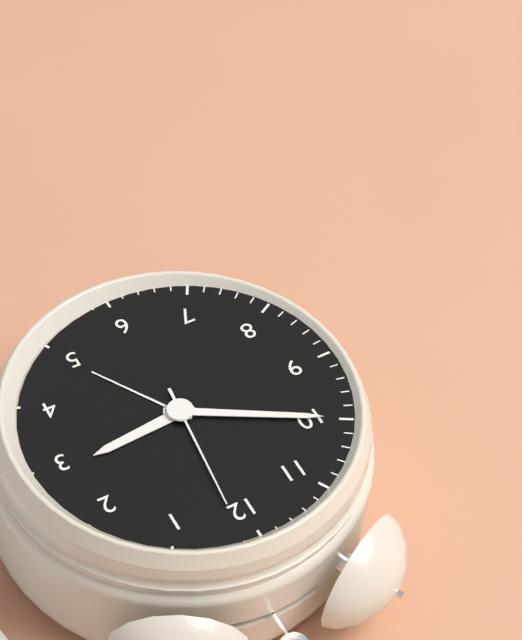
{"hour": 2, "minute": 50, "second": 1}
